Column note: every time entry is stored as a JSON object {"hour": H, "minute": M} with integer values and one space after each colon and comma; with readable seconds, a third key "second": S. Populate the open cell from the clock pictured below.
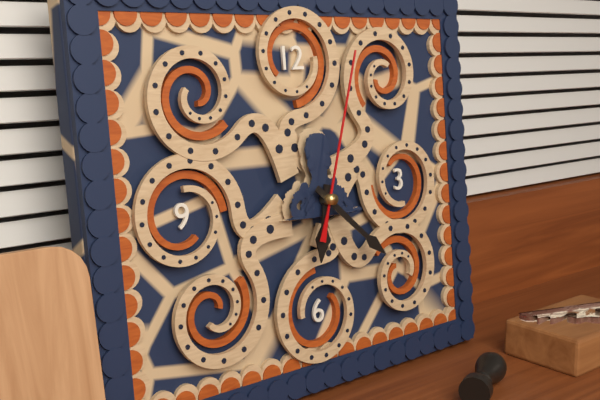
{"hour": 6, "minute": 22, "second": 3}
